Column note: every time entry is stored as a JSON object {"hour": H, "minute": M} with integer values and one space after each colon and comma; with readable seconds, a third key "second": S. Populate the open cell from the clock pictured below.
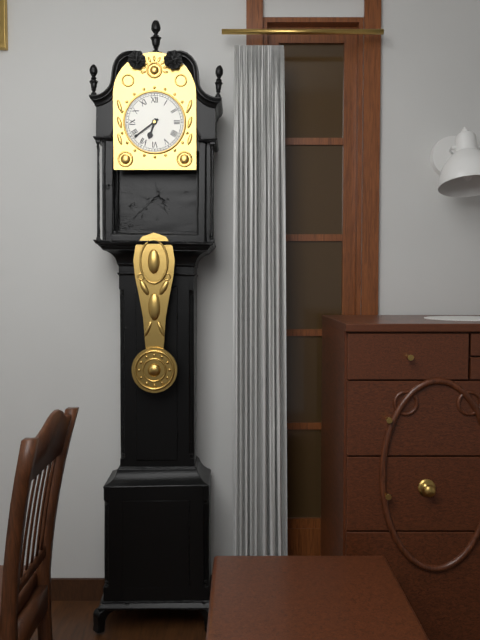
{"hour": 6, "minute": 39}
